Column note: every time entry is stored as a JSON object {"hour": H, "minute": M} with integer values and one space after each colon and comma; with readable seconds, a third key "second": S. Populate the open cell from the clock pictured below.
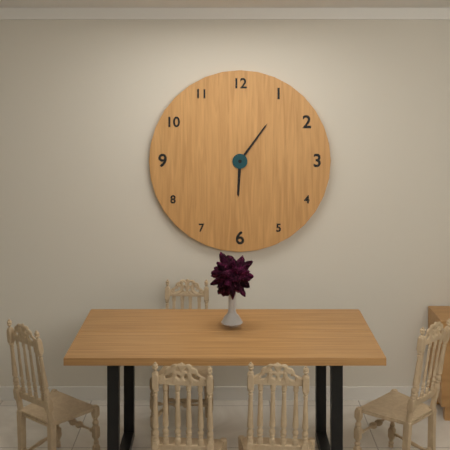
{"hour": 6, "minute": 6}
